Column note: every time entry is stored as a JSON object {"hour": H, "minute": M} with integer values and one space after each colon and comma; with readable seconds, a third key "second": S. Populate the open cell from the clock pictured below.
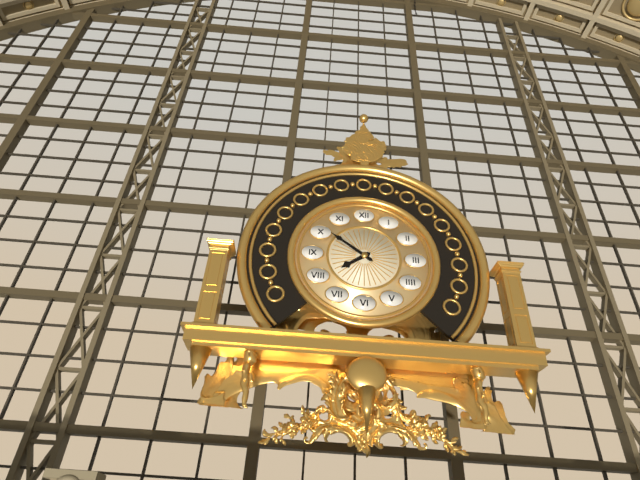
{"hour": 7, "minute": 51}
